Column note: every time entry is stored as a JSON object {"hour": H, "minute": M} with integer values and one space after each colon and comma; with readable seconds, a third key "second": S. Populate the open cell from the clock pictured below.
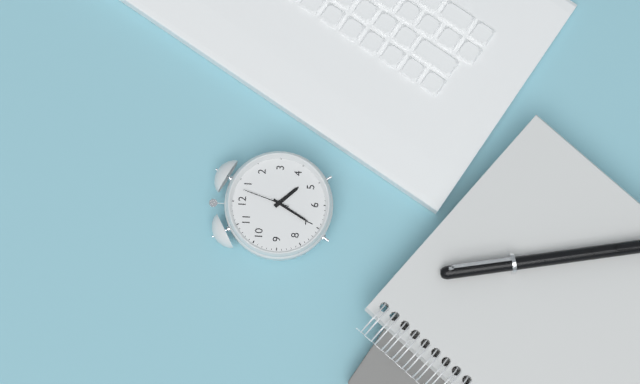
{"hour": 4, "minute": 35}
